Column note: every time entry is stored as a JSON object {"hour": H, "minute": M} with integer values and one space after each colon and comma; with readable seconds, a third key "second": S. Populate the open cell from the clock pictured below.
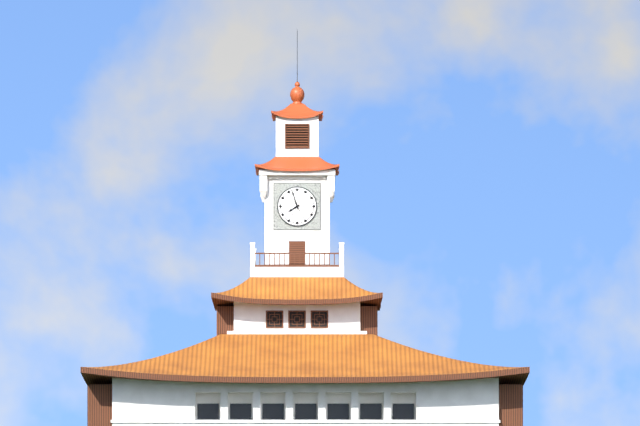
{"hour": 7, "minute": 57}
